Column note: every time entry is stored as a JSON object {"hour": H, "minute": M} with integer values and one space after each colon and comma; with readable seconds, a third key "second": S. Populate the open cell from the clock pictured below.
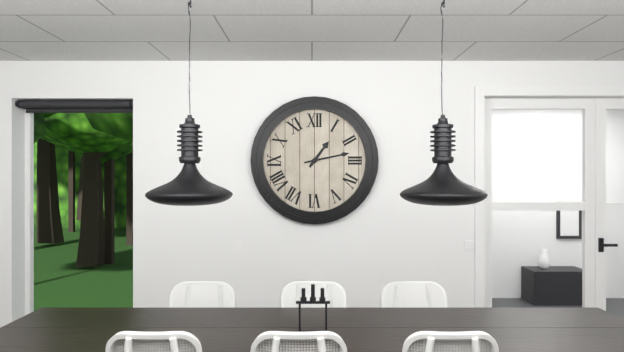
{"hour": 1, "minute": 13}
